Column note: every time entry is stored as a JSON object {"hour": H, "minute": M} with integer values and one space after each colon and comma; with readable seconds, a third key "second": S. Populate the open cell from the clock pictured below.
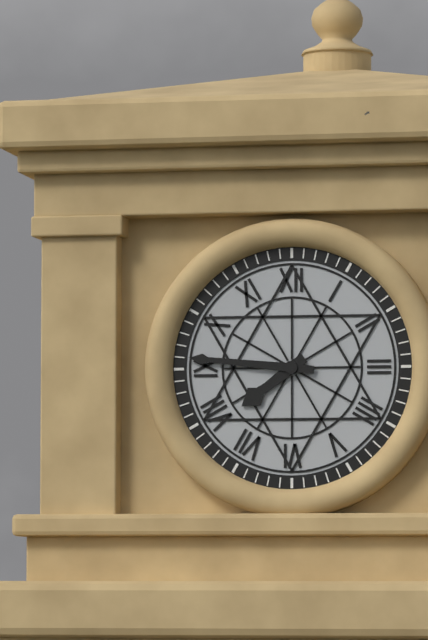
{"hour": 7, "minute": 46}
